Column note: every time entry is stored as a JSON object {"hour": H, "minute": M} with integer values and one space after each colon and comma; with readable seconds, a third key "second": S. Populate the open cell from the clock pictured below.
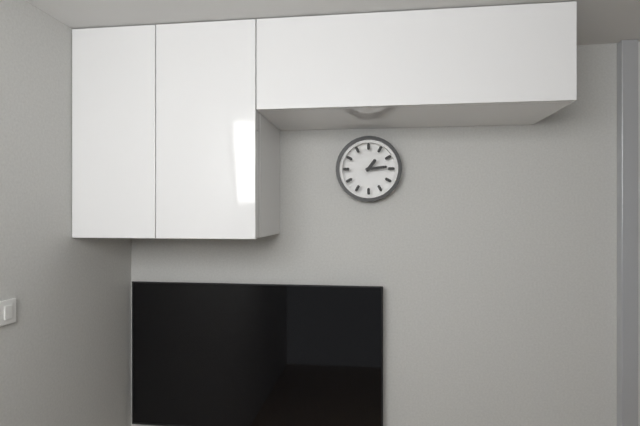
{"hour": 1, "minute": 14}
